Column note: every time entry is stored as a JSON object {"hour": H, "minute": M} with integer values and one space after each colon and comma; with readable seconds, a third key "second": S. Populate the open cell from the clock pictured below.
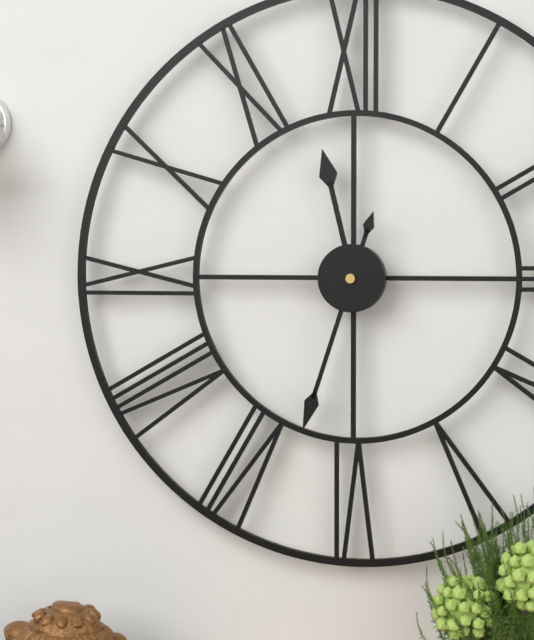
{"hour": 11, "minute": 33}
